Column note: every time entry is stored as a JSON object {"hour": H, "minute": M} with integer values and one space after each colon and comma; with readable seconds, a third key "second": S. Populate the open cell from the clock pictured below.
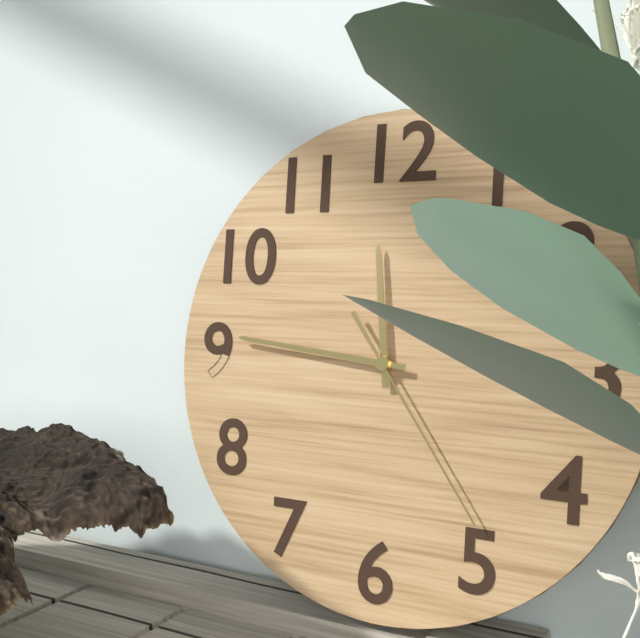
{"hour": 11, "minute": 46, "second": 24}
